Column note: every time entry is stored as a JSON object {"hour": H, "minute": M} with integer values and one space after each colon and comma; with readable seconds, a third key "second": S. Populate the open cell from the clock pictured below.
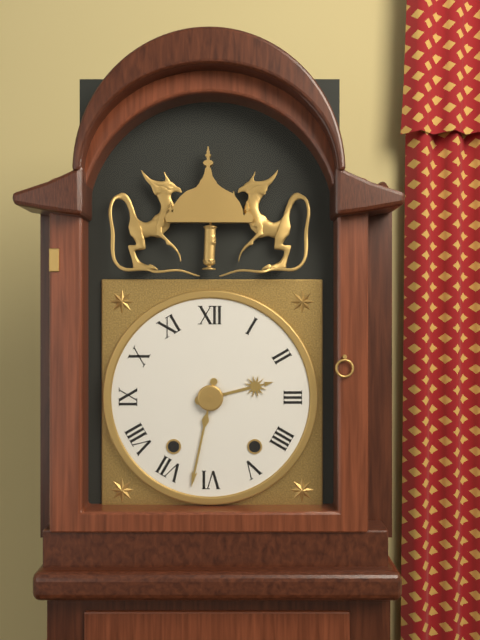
{"hour": 2, "minute": 32}
